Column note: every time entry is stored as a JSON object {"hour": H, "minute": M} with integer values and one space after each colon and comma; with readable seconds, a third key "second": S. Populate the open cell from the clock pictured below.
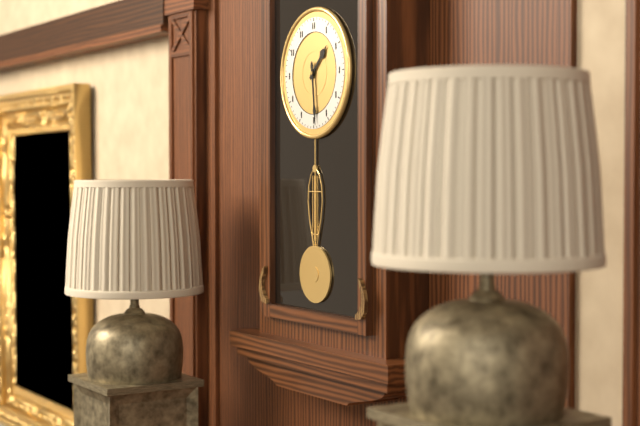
{"hour": 1, "minute": 29}
